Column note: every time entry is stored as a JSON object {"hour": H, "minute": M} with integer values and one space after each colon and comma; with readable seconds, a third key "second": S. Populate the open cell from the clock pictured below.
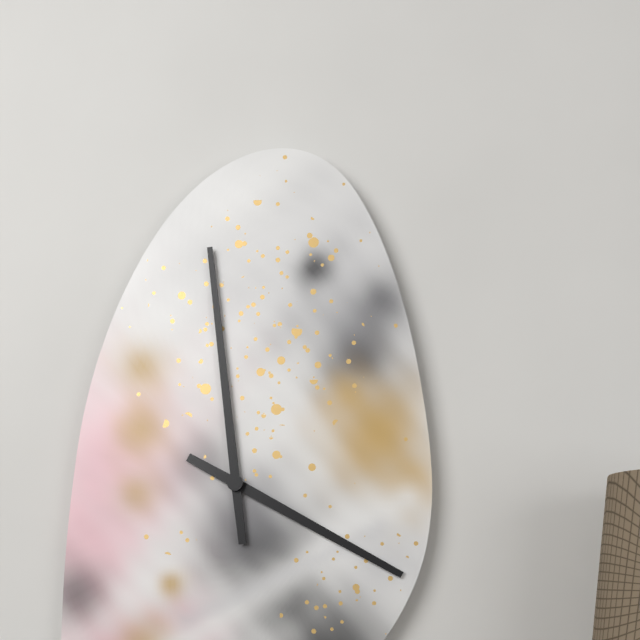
{"hour": 3, "minute": 59}
